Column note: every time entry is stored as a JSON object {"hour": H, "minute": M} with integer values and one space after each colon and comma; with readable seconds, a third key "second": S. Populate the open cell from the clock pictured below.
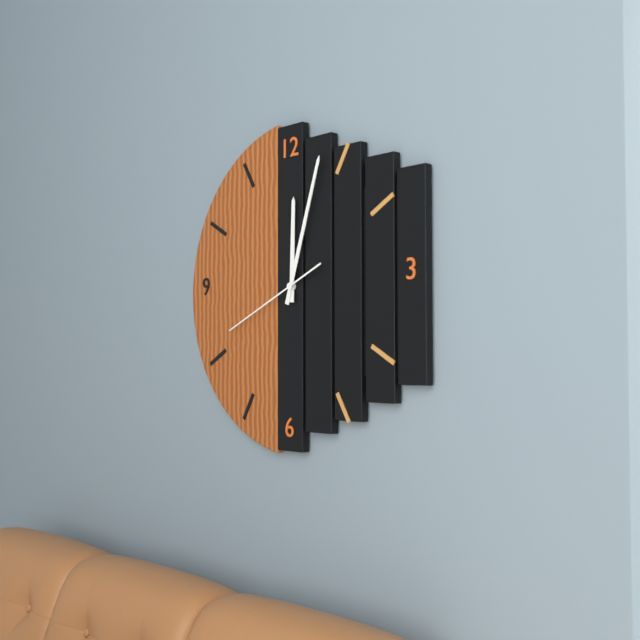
{"hour": 12, "minute": 3, "second": 41}
